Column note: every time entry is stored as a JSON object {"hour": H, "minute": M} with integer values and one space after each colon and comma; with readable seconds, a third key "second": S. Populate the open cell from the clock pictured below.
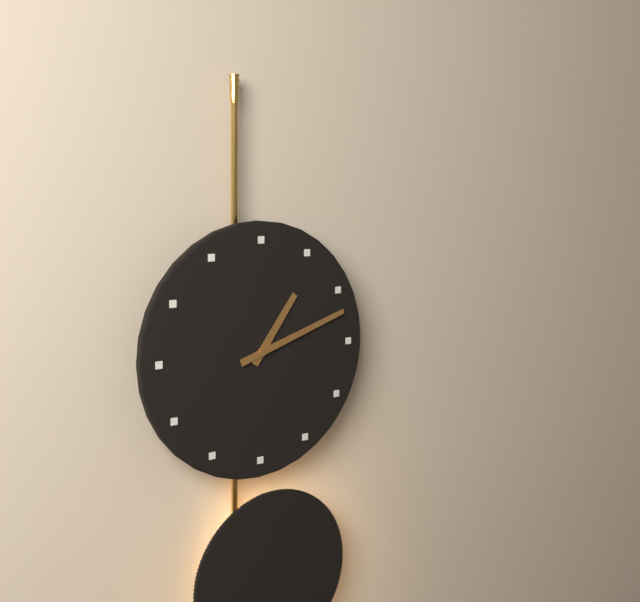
{"hour": 1, "minute": 12}
